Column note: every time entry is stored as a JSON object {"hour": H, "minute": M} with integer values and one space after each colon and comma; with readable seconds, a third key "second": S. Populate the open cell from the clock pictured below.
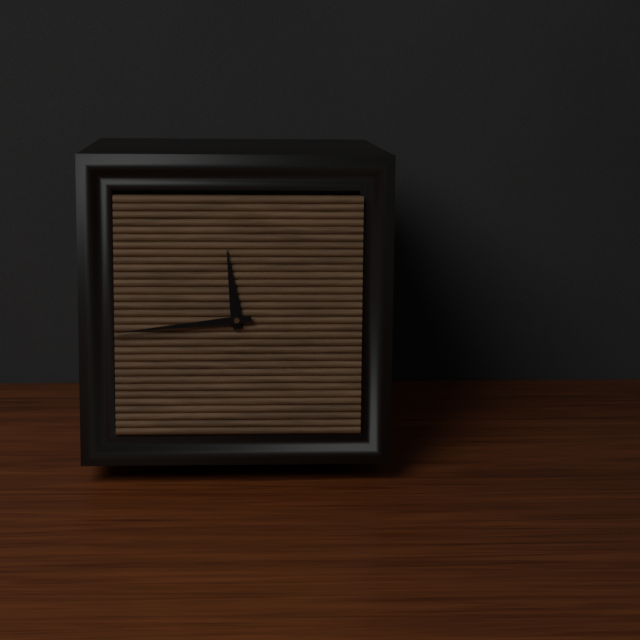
{"hour": 11, "minute": 44}
